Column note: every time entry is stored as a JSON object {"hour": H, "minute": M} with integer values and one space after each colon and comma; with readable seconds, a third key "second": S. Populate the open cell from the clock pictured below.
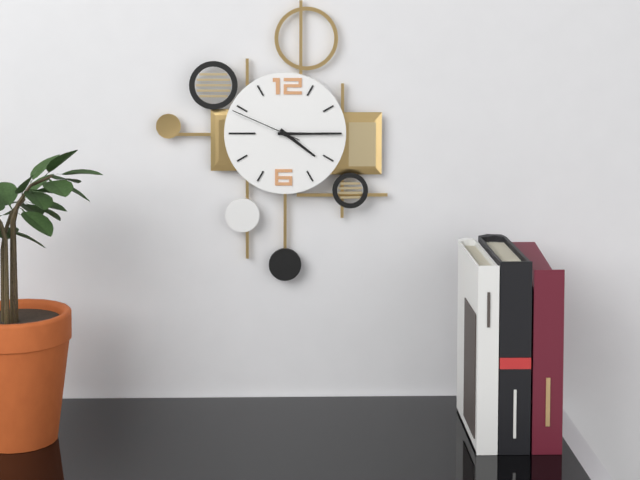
{"hour": 4, "minute": 15, "second": 49}
